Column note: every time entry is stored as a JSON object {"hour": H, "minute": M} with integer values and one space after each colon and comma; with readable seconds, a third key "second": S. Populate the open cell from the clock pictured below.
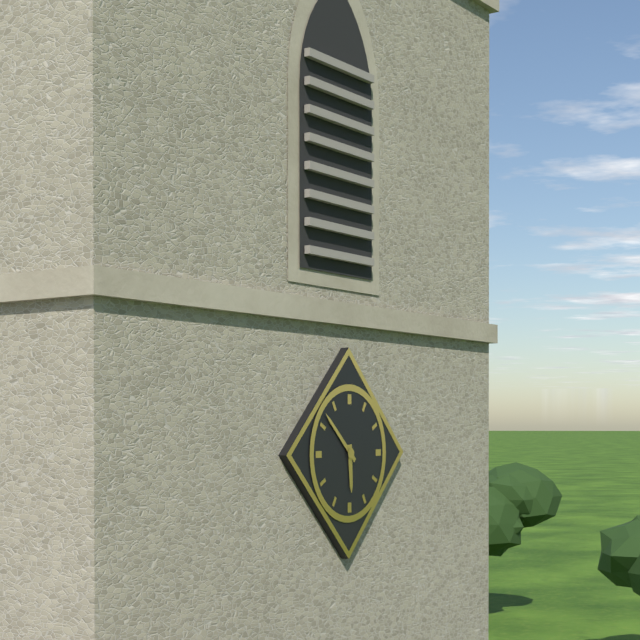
{"hour": 5, "minute": 52}
